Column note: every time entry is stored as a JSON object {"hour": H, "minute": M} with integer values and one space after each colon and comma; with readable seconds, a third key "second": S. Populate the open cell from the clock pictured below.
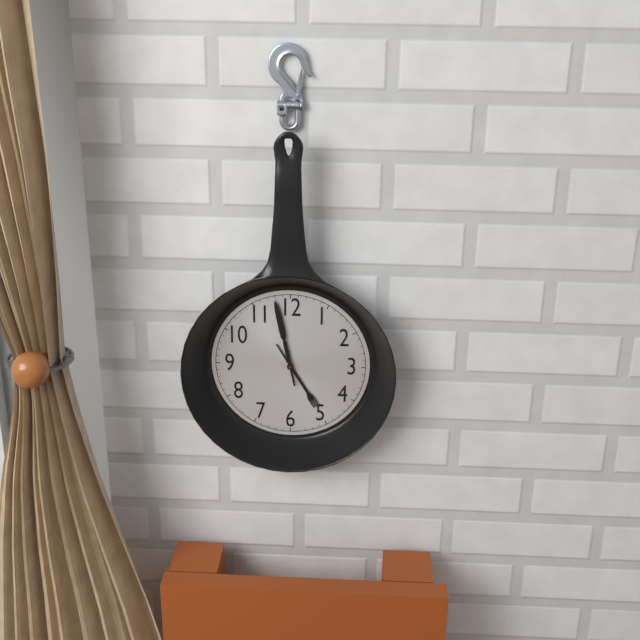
{"hour": 4, "minute": 58}
